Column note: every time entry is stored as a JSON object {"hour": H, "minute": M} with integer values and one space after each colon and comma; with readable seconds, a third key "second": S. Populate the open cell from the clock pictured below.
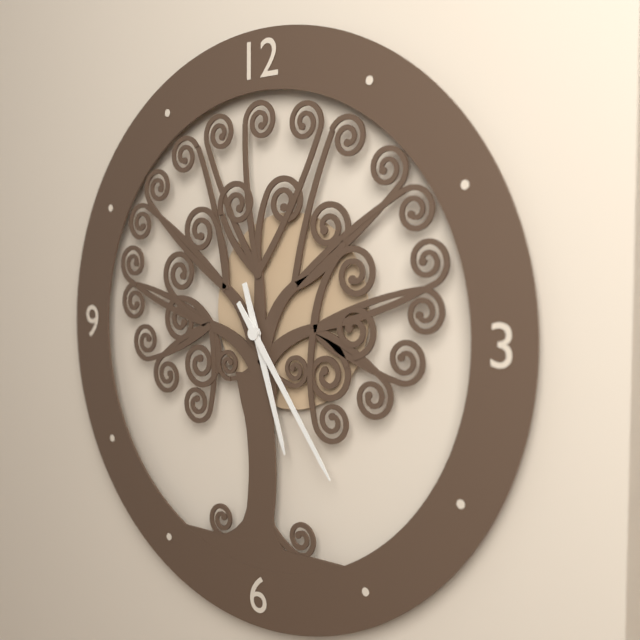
{"hour": 5, "minute": 24}
